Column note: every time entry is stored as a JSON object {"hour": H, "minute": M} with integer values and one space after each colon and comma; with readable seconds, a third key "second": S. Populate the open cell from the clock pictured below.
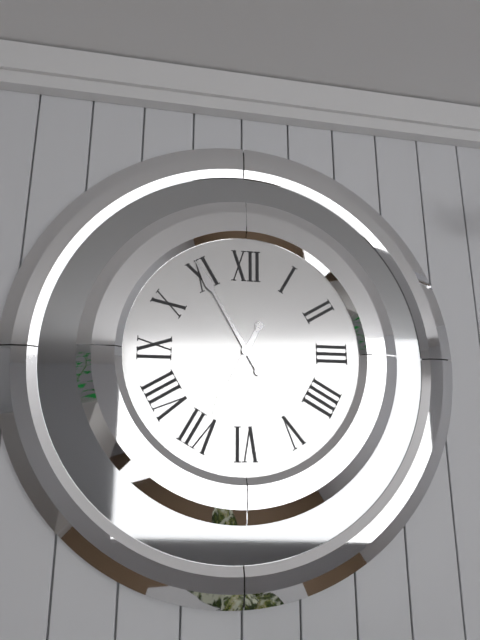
{"hour": 6, "minute": 55}
